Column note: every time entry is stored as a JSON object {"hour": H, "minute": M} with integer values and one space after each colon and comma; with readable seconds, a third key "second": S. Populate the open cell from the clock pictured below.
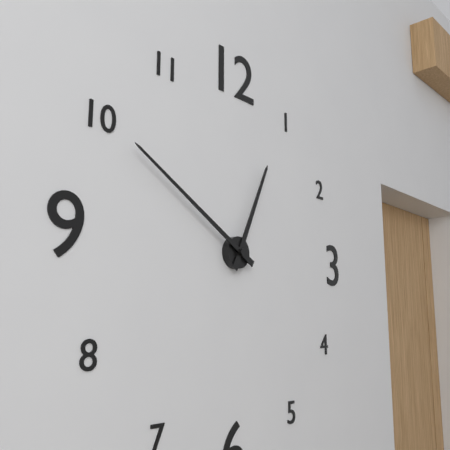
{"hour": 12, "minute": 50}
